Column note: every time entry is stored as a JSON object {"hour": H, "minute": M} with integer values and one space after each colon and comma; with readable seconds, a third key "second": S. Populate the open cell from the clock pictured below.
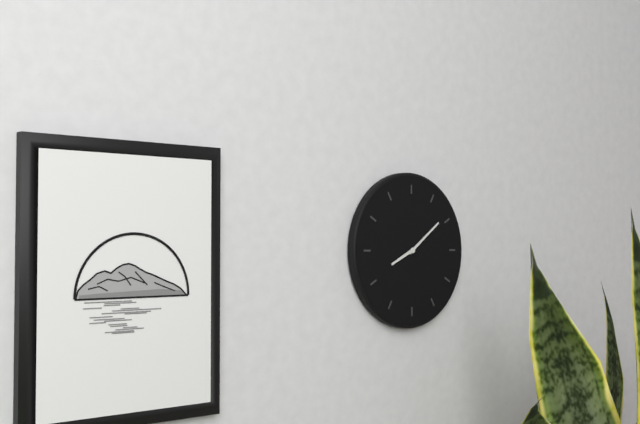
{"hour": 8, "minute": 9}
